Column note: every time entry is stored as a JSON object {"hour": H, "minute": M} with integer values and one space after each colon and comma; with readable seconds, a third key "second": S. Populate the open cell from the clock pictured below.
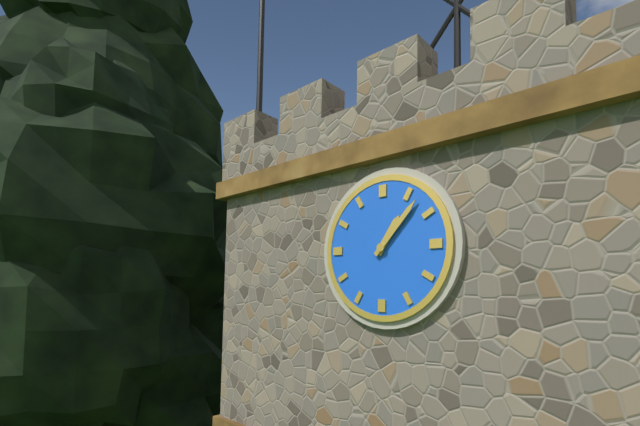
{"hour": 1, "minute": 7}
